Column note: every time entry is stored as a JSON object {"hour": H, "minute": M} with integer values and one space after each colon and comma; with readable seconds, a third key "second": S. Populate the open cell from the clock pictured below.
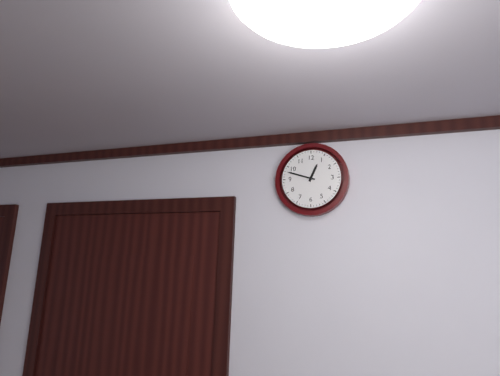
{"hour": 12, "minute": 48}
